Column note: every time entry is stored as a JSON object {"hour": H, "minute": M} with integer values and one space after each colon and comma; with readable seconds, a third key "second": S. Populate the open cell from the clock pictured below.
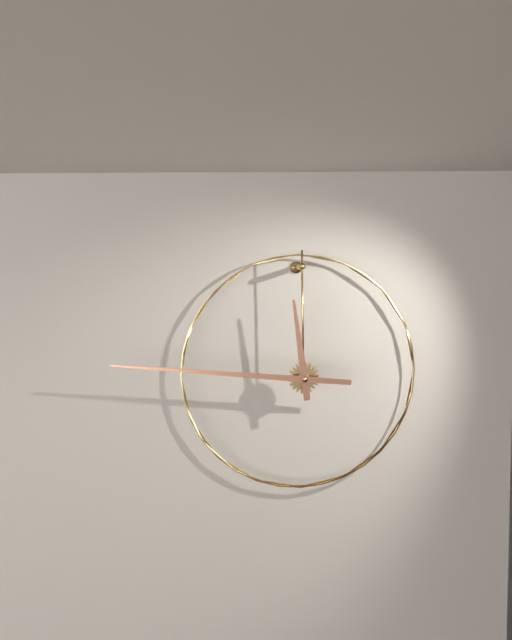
{"hour": 11, "minute": 46}
